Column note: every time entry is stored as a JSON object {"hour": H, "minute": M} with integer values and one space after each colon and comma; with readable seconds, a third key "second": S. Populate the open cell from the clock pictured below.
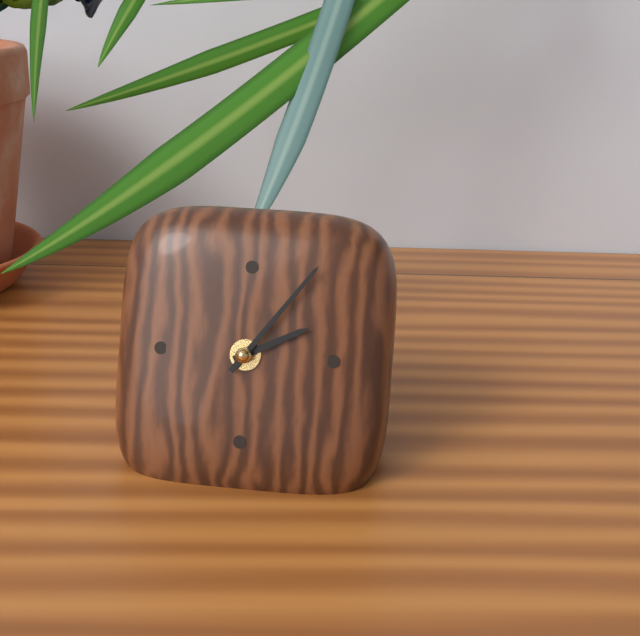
{"hour": 2, "minute": 6}
